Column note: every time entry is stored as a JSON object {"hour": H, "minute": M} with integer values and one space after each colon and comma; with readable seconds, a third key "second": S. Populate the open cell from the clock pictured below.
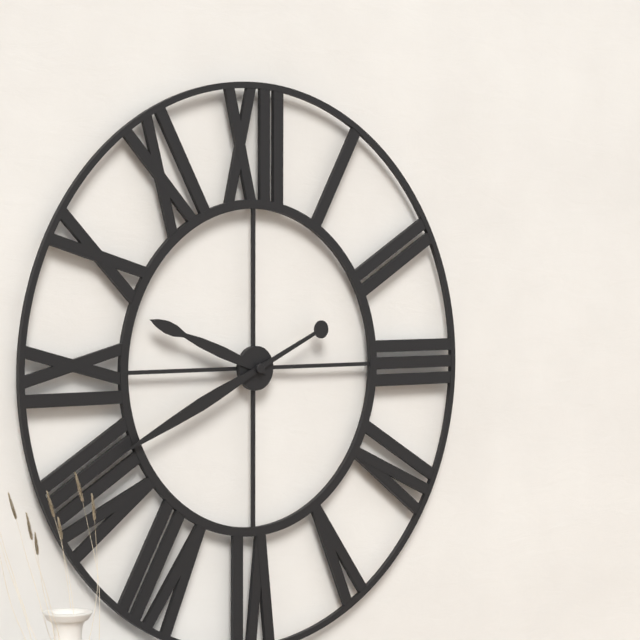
{"hour": 9, "minute": 41}
